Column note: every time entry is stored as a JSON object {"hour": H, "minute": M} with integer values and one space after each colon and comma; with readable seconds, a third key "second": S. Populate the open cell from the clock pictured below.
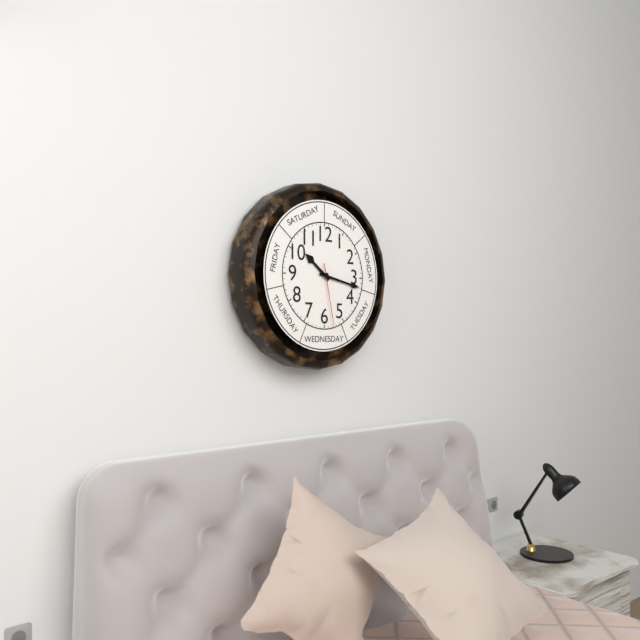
{"hour": 10, "minute": 17, "second": 28}
